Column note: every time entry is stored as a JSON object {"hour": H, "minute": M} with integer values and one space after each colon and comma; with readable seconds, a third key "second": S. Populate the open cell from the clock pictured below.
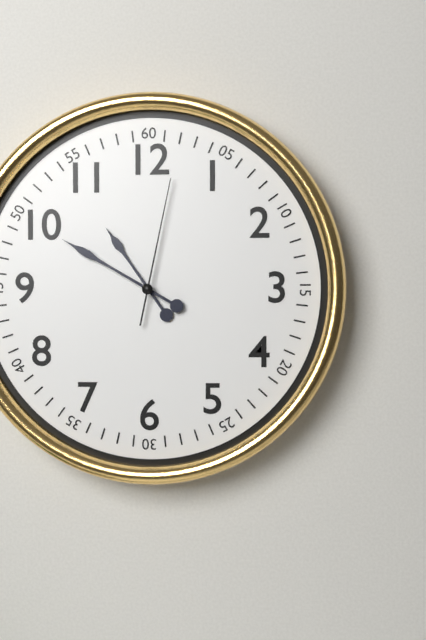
{"hour": 10, "minute": 50, "second": 2}
